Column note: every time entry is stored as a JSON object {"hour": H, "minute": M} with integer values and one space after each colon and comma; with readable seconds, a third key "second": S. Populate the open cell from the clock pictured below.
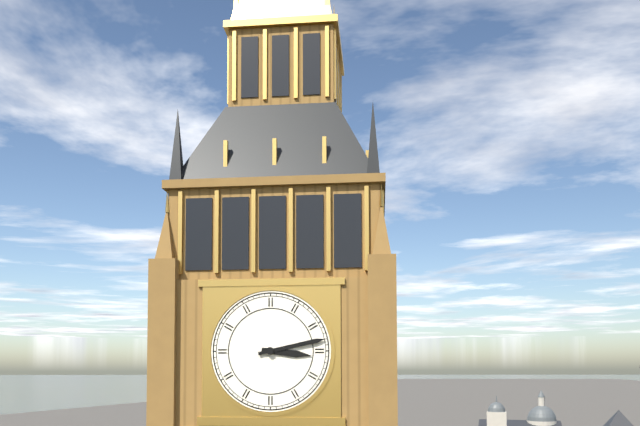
{"hour": 3, "minute": 13}
